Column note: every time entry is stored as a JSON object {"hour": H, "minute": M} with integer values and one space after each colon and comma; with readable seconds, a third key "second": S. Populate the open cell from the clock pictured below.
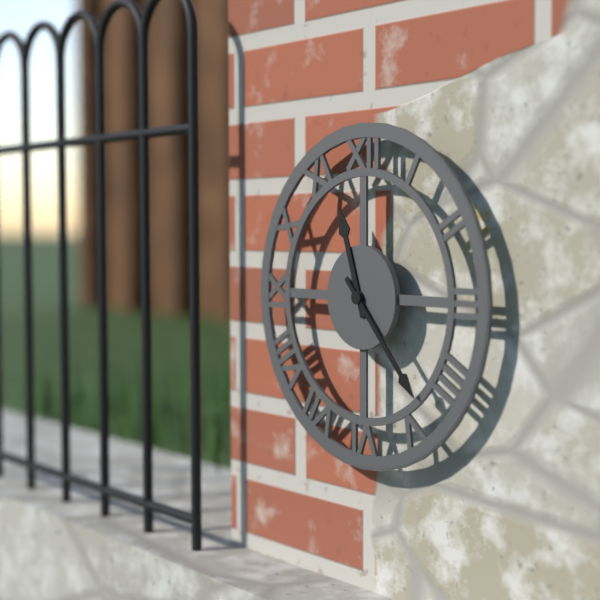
{"hour": 11, "minute": 23}
